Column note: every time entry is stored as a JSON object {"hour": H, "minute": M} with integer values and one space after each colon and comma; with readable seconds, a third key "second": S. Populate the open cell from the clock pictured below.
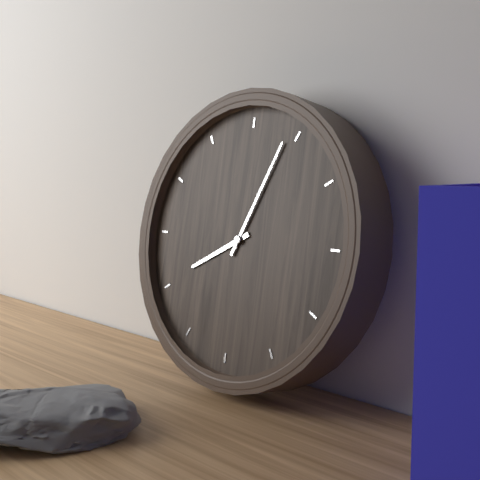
{"hour": 8, "minute": 4}
